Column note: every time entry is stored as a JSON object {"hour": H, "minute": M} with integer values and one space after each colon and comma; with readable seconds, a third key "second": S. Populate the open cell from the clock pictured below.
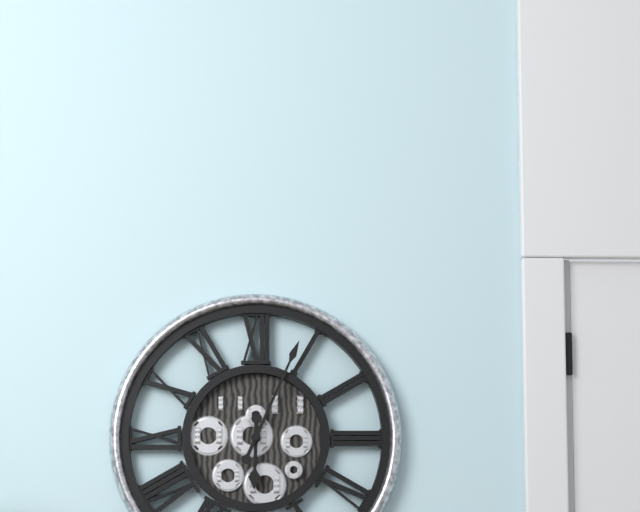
{"hour": 6, "minute": 4}
